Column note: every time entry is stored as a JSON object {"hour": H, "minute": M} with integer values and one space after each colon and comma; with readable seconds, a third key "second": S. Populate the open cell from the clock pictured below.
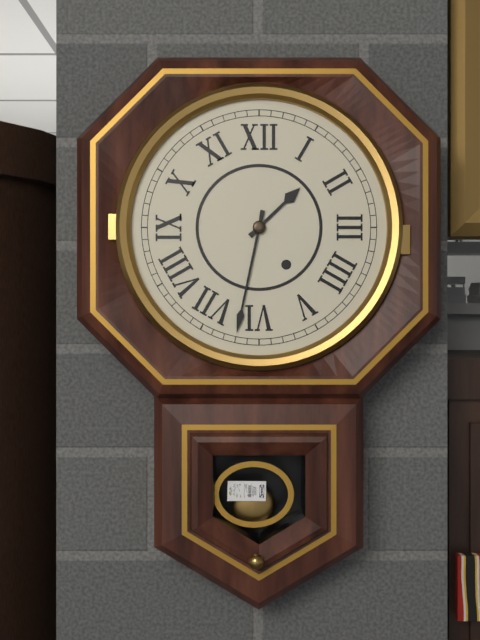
{"hour": 1, "minute": 32}
